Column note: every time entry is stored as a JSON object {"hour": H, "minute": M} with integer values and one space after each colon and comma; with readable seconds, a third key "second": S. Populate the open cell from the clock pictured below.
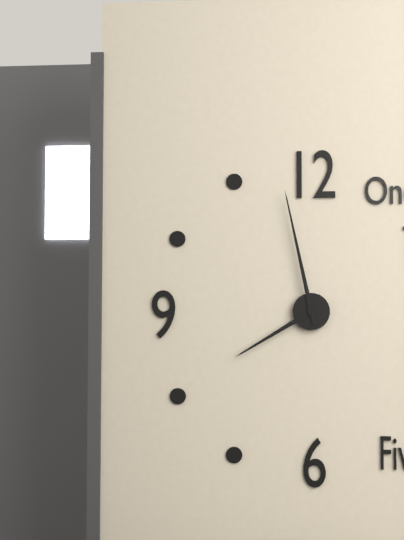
{"hour": 7, "minute": 58}
